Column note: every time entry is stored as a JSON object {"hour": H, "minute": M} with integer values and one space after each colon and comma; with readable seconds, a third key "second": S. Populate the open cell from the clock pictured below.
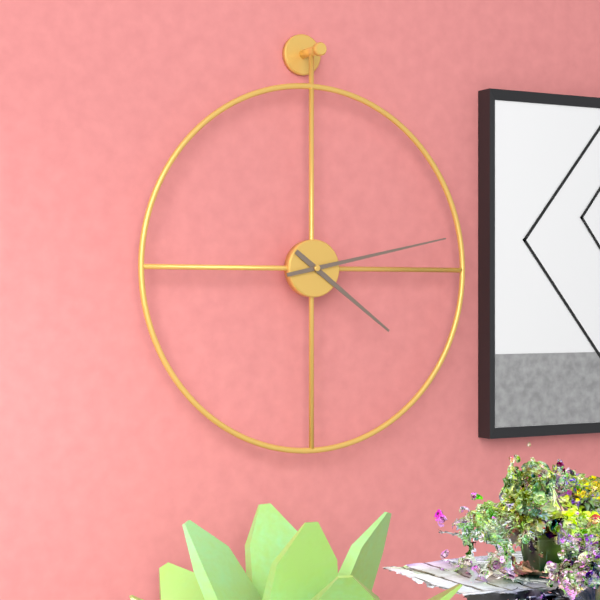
{"hour": 4, "minute": 13}
